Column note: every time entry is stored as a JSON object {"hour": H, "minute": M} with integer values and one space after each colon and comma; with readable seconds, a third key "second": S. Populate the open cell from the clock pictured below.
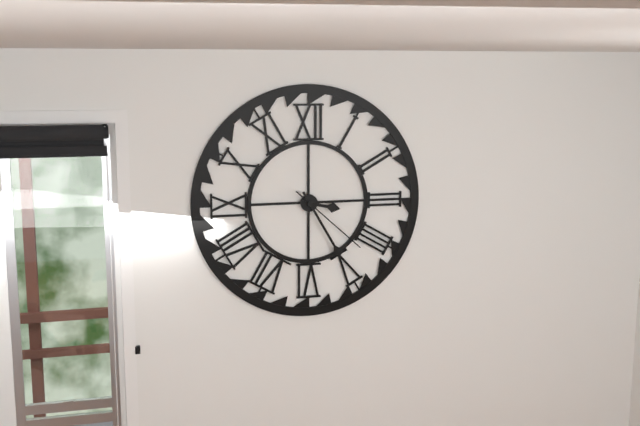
{"hour": 3, "minute": 25, "second": 22}
